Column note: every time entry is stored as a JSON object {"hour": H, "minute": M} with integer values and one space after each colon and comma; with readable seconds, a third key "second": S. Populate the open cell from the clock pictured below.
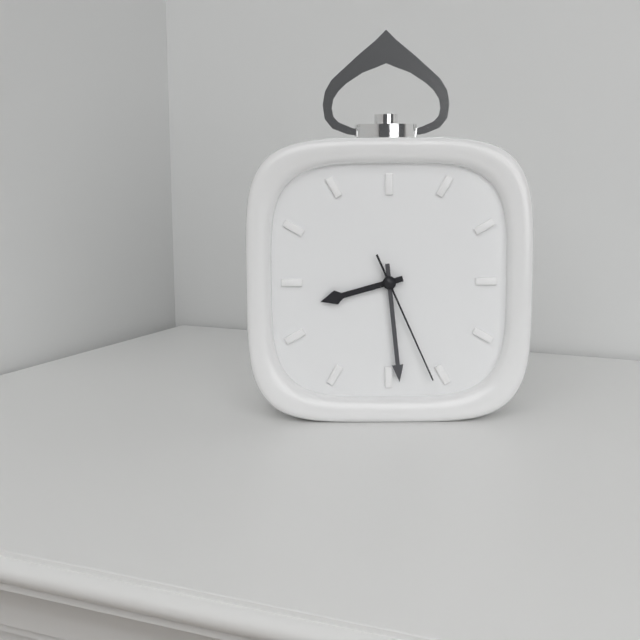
{"hour": 8, "minute": 29, "second": 26}
